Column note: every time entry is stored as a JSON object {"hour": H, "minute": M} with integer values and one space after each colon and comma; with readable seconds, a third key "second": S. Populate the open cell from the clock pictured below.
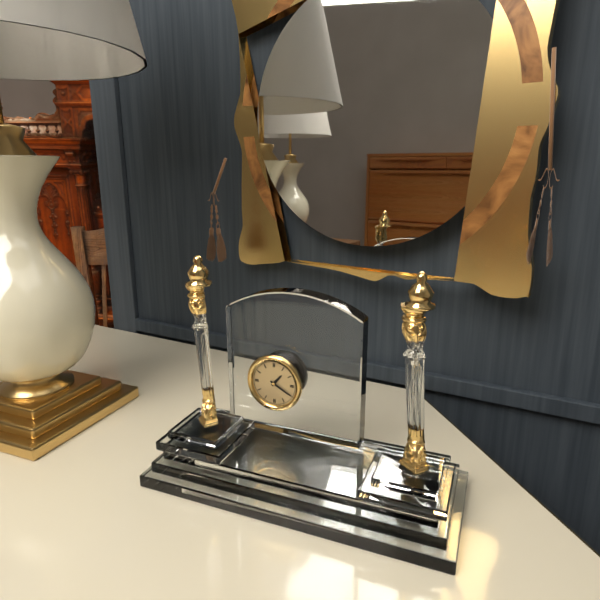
{"hour": 1, "minute": 20}
